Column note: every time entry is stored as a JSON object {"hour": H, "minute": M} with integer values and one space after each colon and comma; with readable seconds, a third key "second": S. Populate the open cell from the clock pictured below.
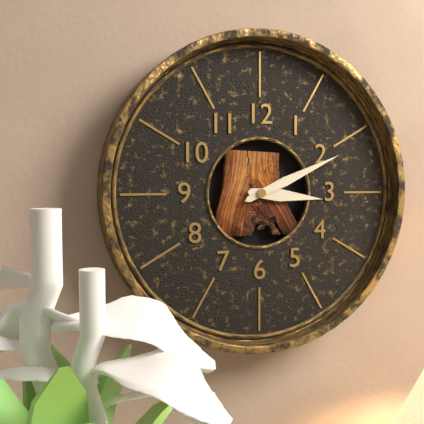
{"hour": 3, "minute": 11}
